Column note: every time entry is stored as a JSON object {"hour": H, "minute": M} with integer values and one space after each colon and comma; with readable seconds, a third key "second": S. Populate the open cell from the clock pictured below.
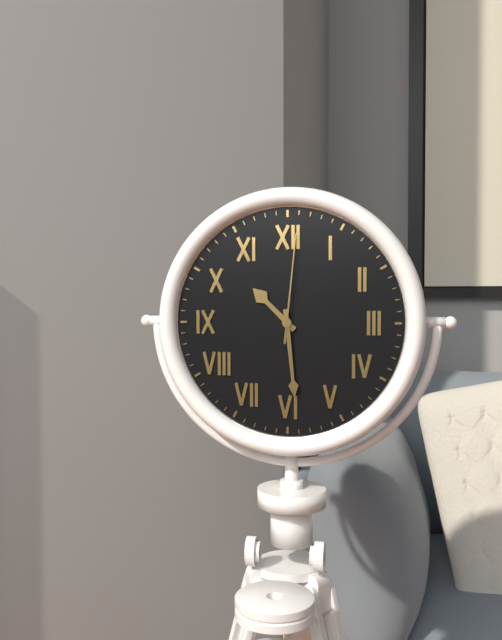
{"hour": 10, "minute": 29, "second": 1}
